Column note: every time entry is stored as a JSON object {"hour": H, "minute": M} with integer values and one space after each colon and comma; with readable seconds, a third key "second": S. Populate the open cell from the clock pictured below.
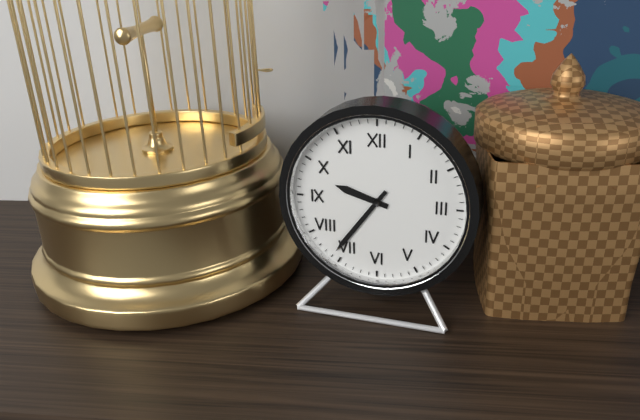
{"hour": 9, "minute": 36}
